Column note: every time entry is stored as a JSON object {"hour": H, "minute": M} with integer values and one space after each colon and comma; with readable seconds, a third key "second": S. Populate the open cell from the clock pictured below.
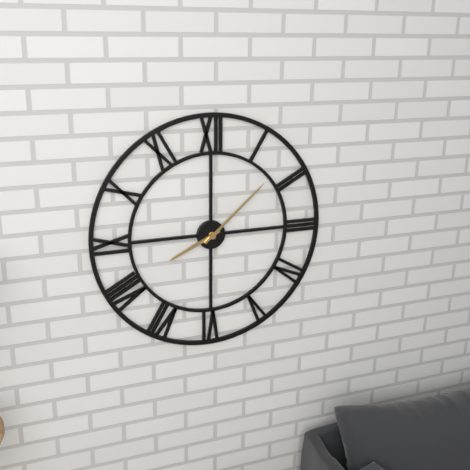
{"hour": 8, "minute": 8}
